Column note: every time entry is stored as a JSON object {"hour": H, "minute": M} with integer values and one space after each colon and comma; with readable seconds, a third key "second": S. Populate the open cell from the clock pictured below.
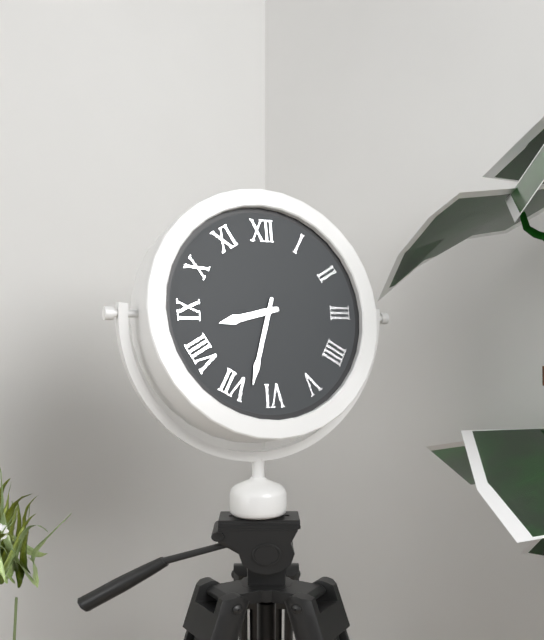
{"hour": 8, "minute": 33}
